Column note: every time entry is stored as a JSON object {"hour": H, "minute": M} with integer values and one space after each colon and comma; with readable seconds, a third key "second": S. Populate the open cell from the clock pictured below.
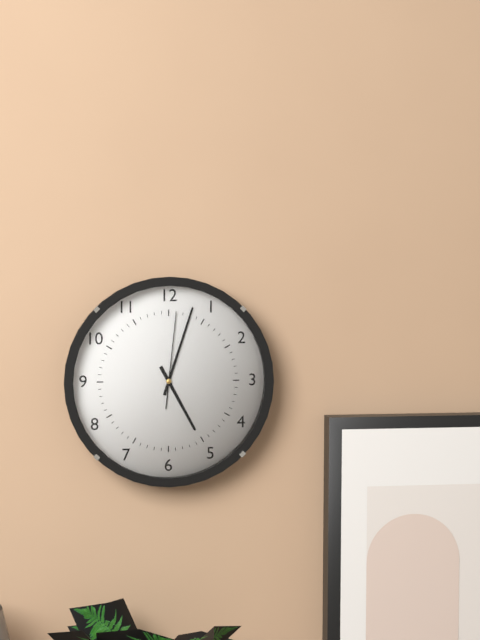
{"hour": 5, "minute": 3, "second": 1}
